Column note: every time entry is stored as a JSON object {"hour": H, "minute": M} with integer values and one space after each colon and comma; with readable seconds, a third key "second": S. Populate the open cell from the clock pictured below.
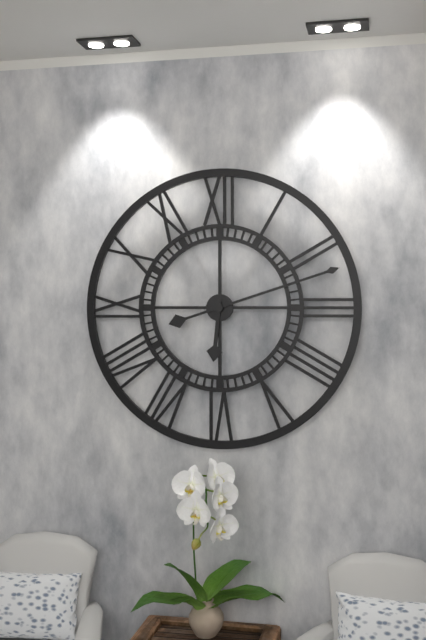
{"hour": 6, "minute": 12}
